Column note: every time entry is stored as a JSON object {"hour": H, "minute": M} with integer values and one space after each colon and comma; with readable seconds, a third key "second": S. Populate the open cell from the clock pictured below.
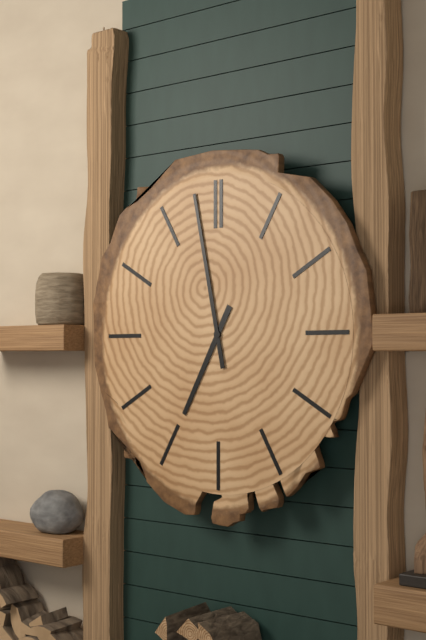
{"hour": 6, "minute": 58}
